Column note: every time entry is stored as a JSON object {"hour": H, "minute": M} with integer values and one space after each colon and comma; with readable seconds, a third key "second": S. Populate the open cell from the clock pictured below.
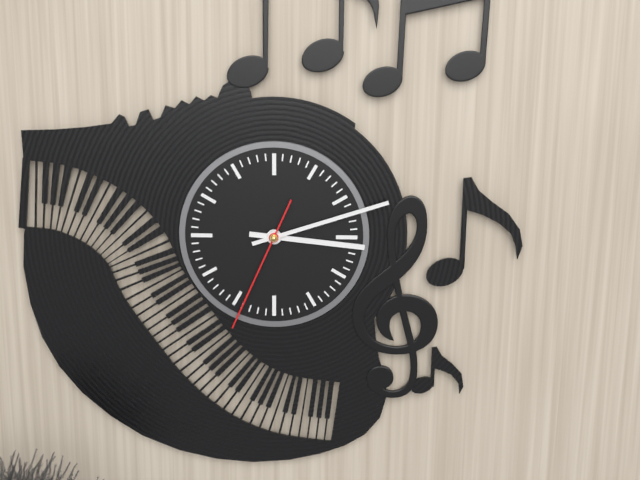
{"hour": 3, "minute": 12, "second": 34}
